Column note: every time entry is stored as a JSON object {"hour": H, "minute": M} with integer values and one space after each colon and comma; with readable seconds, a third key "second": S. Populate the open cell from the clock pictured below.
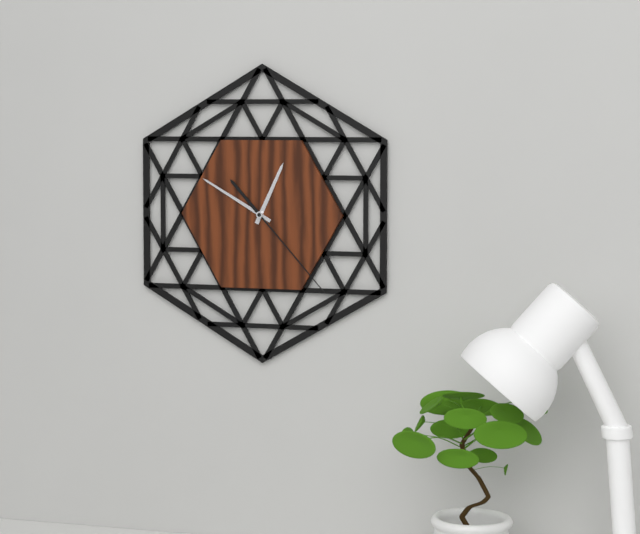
{"hour": 12, "minute": 50, "second": 23}
